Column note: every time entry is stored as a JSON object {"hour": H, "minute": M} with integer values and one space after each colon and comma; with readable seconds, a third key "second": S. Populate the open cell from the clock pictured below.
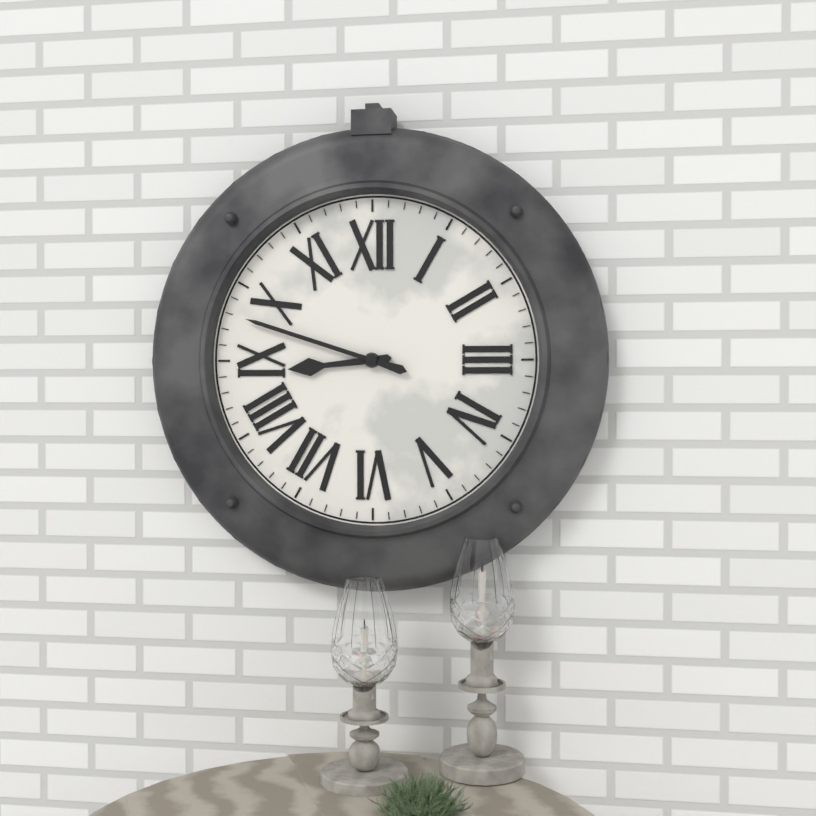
{"hour": 8, "minute": 48}
